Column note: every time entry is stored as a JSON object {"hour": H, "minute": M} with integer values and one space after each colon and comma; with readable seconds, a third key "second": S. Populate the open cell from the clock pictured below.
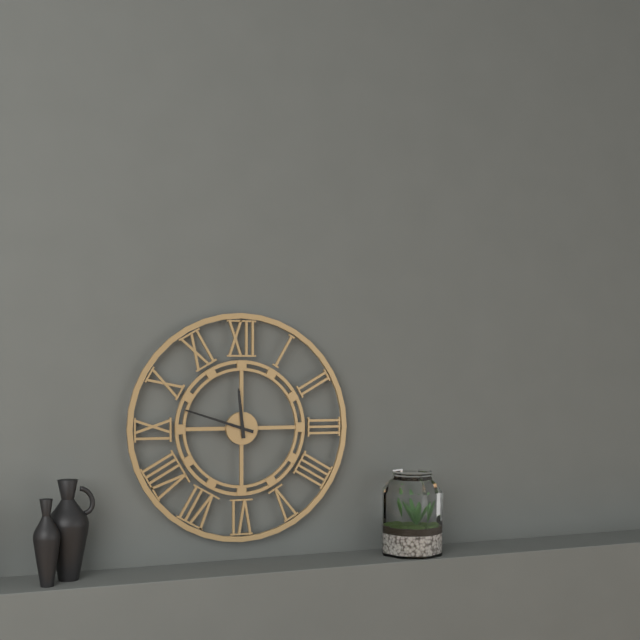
{"hour": 11, "minute": 48}
